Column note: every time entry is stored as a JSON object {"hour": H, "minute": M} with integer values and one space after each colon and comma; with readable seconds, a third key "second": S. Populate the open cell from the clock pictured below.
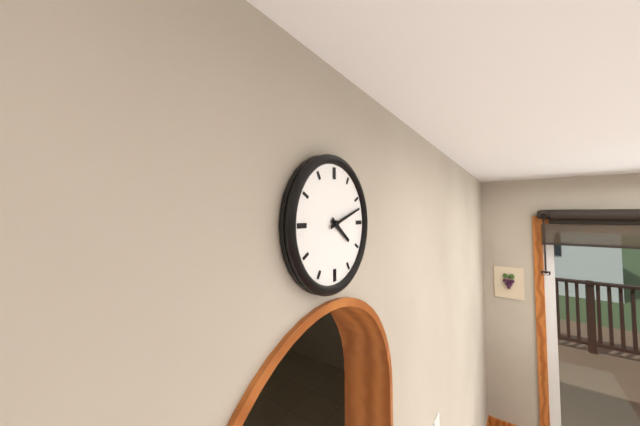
{"hour": 4, "minute": 12}
